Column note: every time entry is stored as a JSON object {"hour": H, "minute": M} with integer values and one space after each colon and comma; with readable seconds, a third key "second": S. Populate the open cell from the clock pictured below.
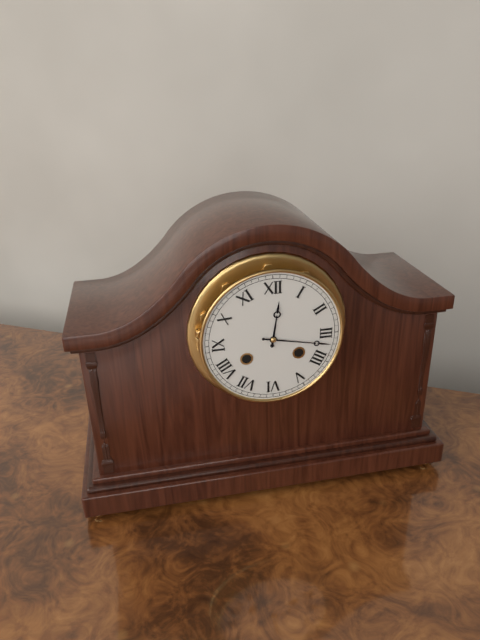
{"hour": 12, "minute": 17}
